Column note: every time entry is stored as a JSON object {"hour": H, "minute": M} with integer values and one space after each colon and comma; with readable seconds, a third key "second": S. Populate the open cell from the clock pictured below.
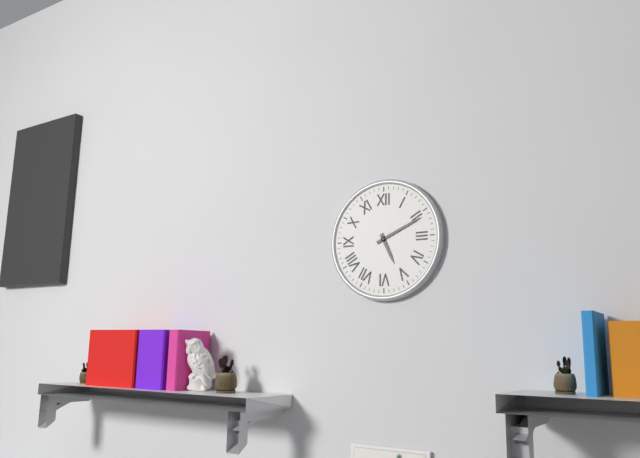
{"hour": 5, "minute": 11}
